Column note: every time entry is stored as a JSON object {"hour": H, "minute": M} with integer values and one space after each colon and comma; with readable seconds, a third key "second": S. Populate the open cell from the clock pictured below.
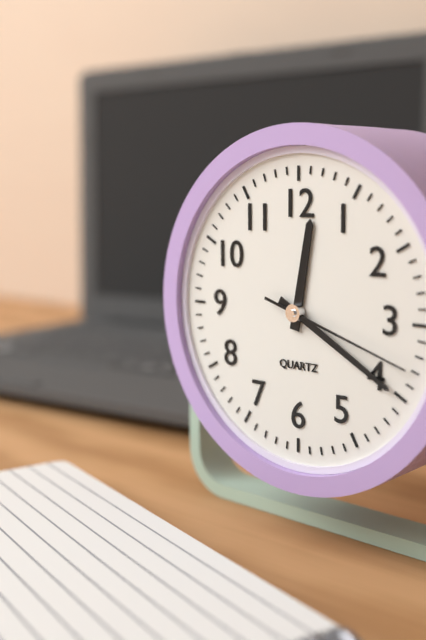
{"hour": 12, "minute": 20, "second": 18}
